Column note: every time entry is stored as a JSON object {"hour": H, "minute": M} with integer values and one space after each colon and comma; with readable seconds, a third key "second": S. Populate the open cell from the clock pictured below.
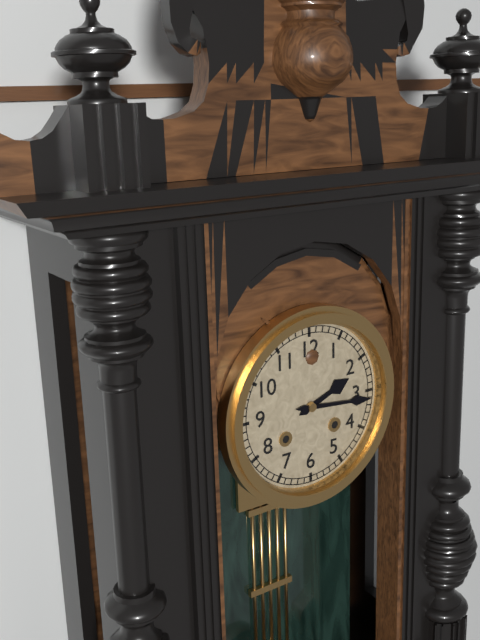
{"hour": 2, "minute": 16}
